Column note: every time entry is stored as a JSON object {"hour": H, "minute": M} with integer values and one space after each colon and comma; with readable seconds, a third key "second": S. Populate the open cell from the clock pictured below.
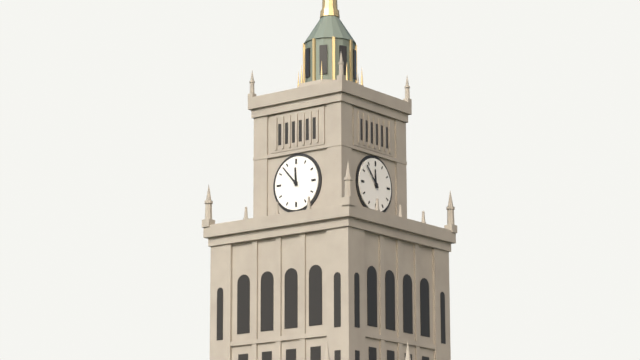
{"hour": 11, "minute": 53}
